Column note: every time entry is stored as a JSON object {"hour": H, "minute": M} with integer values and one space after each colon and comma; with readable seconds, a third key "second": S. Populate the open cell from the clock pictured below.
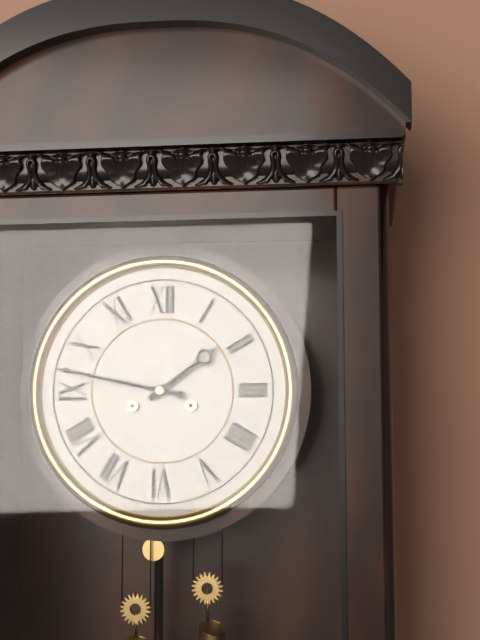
{"hour": 1, "minute": 47}
